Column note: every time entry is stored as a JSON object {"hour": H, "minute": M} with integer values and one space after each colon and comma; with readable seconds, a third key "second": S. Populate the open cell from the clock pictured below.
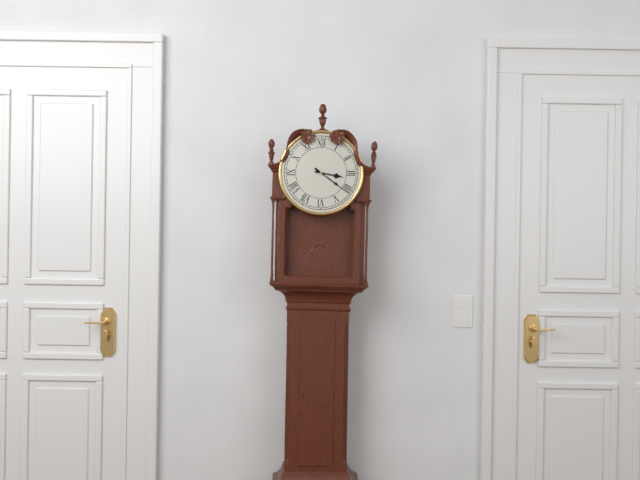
{"hour": 3, "minute": 21}
